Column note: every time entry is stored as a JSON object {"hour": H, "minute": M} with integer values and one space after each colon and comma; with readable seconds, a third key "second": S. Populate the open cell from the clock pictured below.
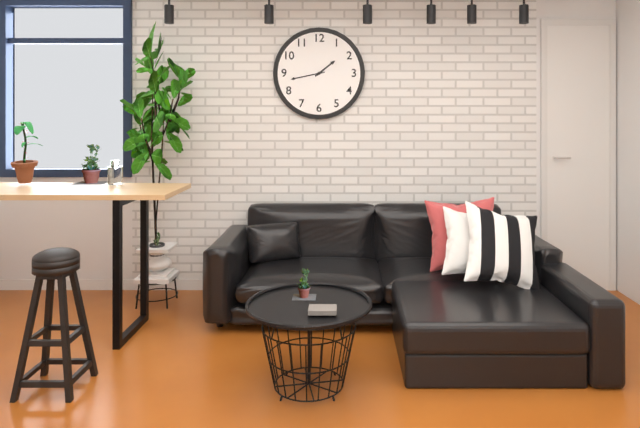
{"hour": 1, "minute": 43}
